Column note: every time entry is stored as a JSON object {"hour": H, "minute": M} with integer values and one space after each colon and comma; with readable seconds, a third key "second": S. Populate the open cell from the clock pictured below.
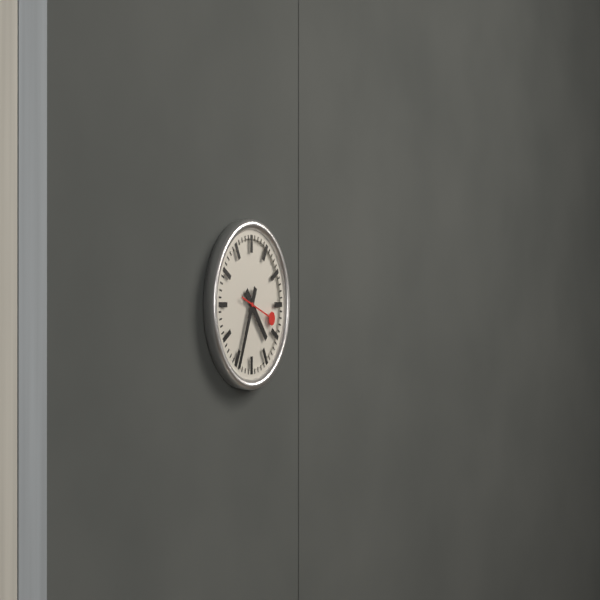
{"hour": 4, "minute": 34}
